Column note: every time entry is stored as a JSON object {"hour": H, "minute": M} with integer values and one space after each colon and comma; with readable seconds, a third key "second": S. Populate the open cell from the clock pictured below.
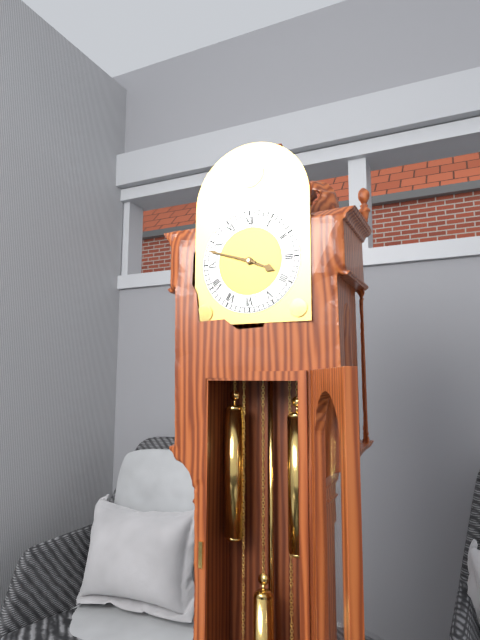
{"hour": 3, "minute": 48}
